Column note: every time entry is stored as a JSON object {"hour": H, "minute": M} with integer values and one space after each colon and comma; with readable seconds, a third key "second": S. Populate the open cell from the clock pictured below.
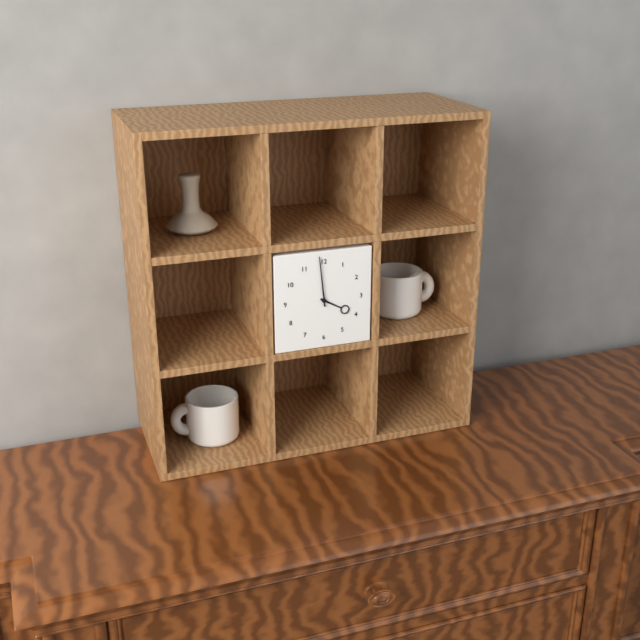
{"hour": 3, "minute": 59}
